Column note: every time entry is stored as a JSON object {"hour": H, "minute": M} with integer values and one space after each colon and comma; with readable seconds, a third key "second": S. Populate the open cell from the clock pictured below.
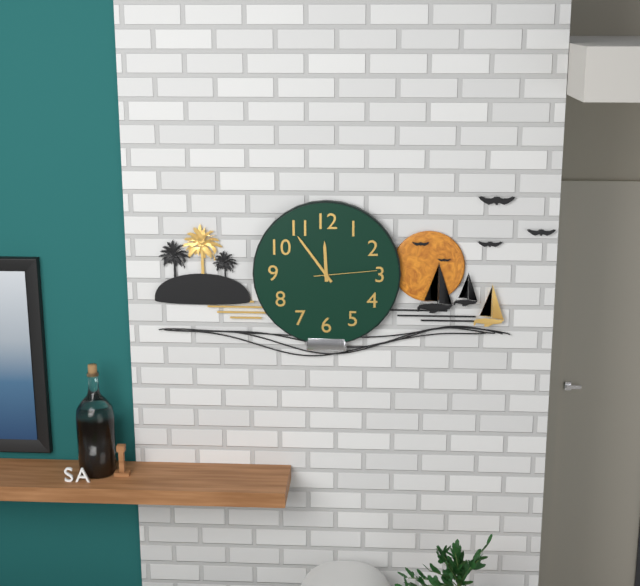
{"hour": 11, "minute": 54, "second": 14}
